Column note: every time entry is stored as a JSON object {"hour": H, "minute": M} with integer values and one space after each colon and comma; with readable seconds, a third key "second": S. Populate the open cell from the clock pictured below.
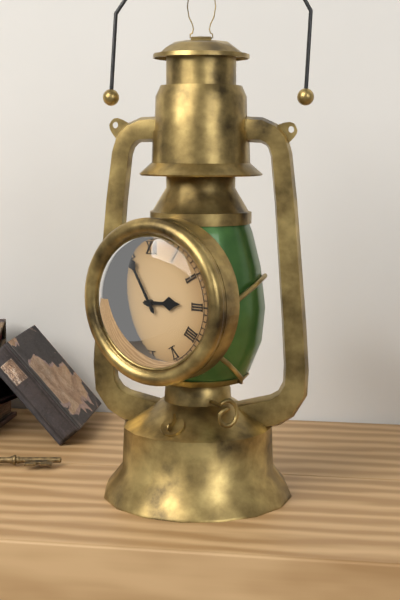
{"hour": 2, "minute": 55}
